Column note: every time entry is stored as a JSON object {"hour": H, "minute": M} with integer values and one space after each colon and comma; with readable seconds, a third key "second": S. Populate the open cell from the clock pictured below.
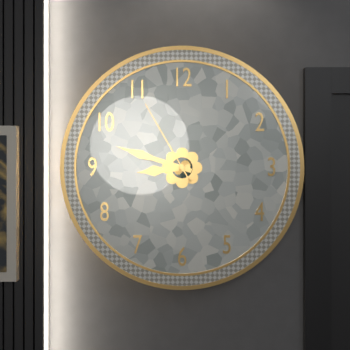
{"hour": 8, "minute": 48, "second": 55}
